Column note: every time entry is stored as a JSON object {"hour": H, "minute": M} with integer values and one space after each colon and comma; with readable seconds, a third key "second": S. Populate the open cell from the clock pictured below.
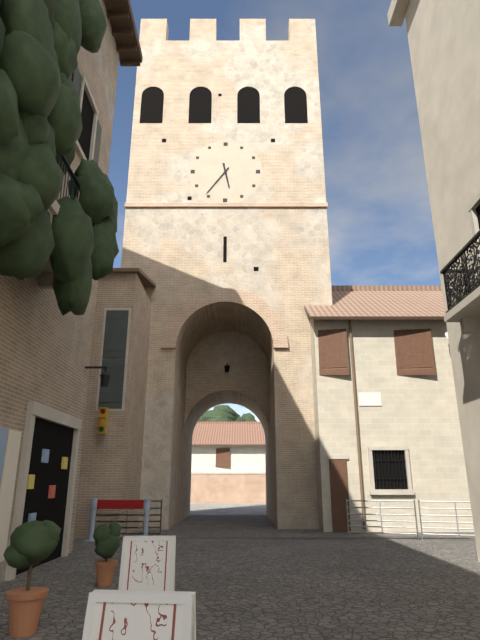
{"hour": 5, "minute": 36}
